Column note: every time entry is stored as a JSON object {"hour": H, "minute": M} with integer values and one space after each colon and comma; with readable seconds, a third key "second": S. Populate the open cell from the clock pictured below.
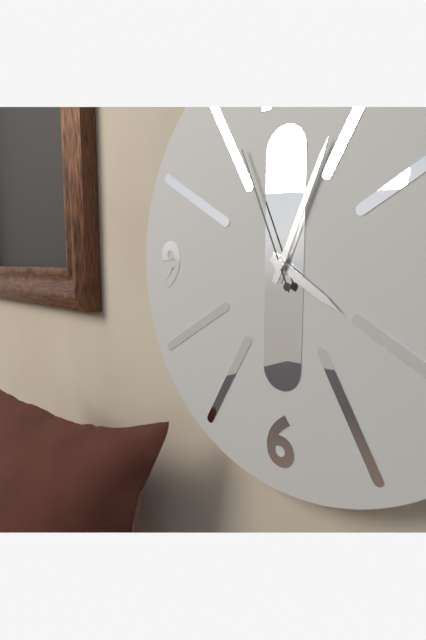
{"hour": 4, "minute": 4, "second": 56}
